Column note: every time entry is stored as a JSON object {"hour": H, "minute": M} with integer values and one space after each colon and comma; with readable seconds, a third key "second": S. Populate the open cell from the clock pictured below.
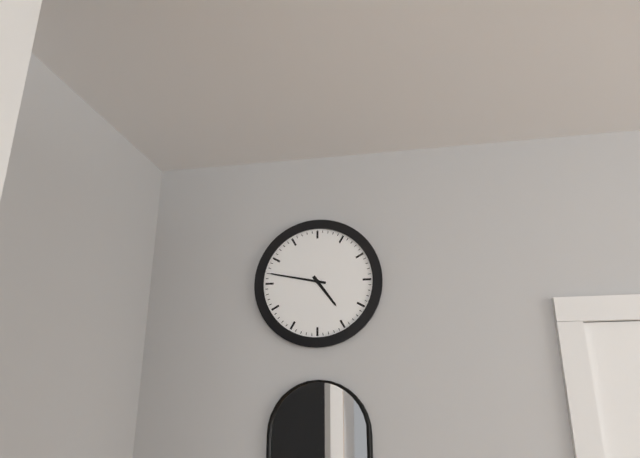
{"hour": 4, "minute": 47}
